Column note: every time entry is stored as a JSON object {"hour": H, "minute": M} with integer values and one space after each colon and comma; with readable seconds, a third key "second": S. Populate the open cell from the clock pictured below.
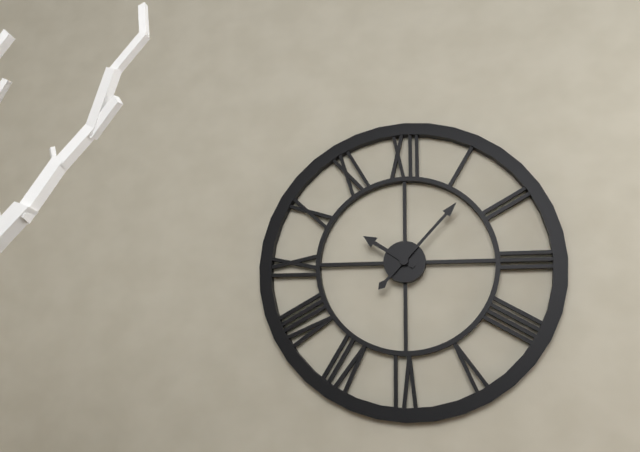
{"hour": 10, "minute": 7}
